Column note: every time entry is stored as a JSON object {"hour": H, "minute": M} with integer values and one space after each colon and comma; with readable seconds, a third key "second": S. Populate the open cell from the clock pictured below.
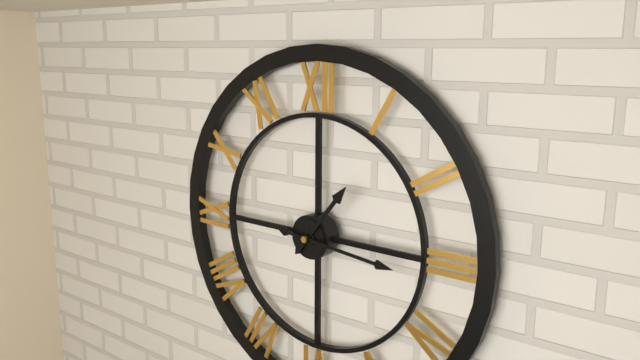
{"hour": 1, "minute": 16}
